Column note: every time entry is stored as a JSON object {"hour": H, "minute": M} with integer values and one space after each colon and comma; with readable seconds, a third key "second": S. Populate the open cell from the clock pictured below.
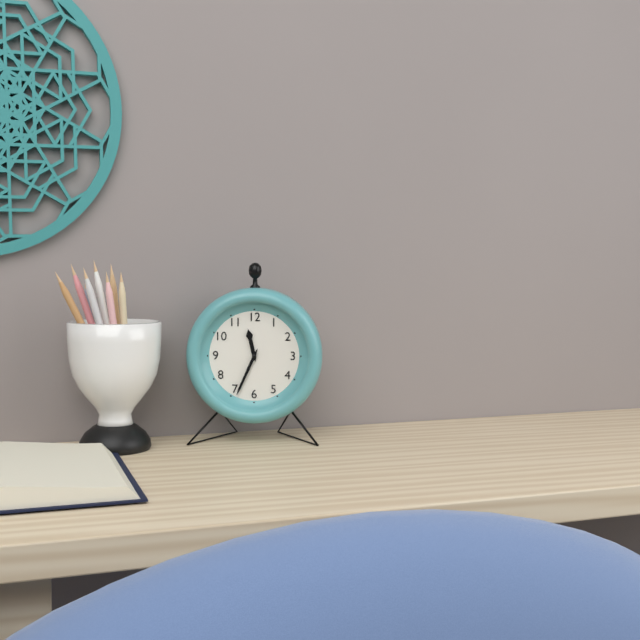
{"hour": 11, "minute": 34}
